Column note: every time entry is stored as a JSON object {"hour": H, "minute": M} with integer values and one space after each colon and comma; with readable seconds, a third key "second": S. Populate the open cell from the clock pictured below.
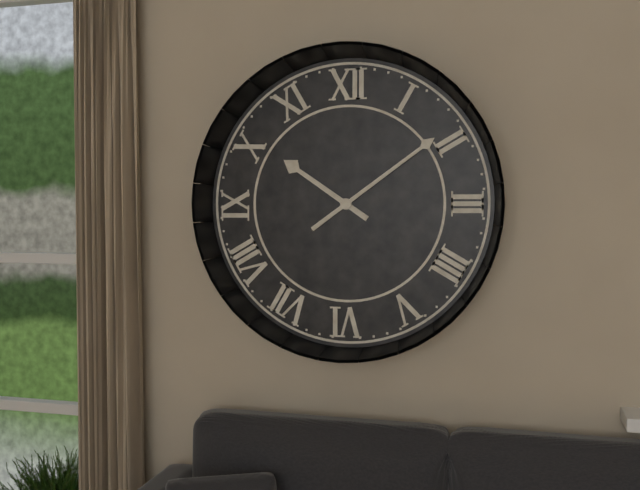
{"hour": 10, "minute": 9}
